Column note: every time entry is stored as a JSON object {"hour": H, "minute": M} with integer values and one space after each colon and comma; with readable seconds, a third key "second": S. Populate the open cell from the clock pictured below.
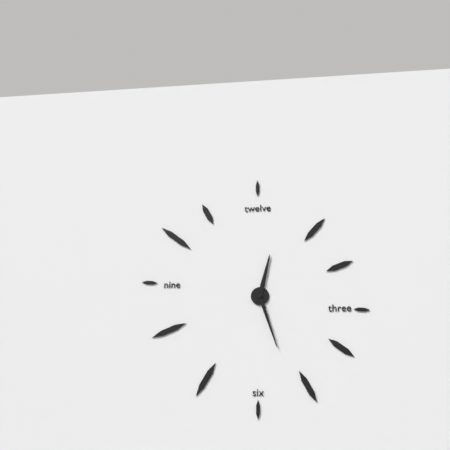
{"hour": 12, "minute": 27}
